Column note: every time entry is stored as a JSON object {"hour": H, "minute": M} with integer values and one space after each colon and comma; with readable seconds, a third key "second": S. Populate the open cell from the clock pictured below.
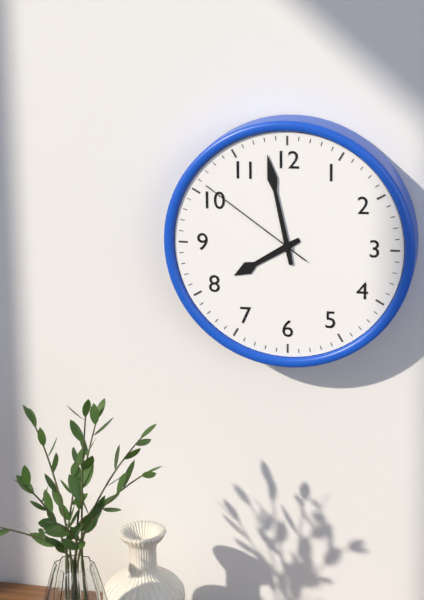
{"hour": 7, "minute": 58, "second": 51}
